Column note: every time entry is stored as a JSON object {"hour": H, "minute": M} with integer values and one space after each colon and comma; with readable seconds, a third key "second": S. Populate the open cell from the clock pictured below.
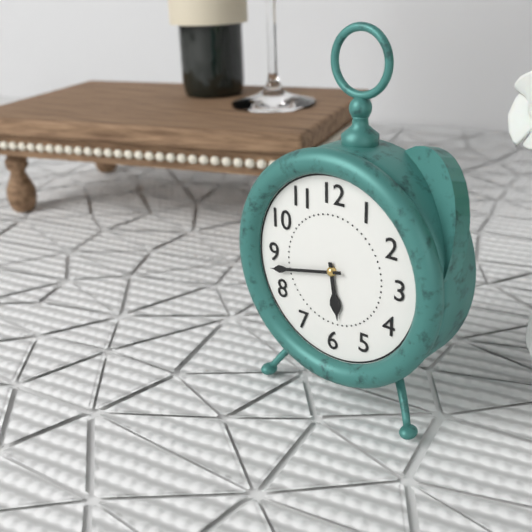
{"hour": 5, "minute": 43}
